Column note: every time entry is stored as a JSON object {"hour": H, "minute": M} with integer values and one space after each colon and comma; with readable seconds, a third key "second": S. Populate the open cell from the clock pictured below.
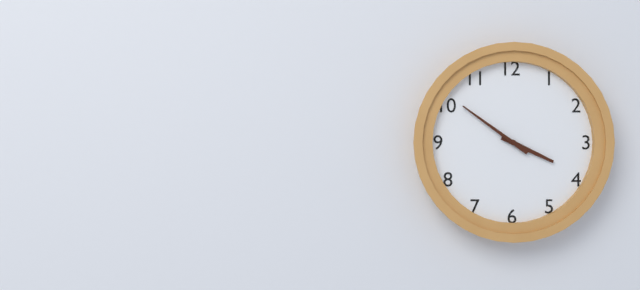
{"hour": 3, "minute": 51}
